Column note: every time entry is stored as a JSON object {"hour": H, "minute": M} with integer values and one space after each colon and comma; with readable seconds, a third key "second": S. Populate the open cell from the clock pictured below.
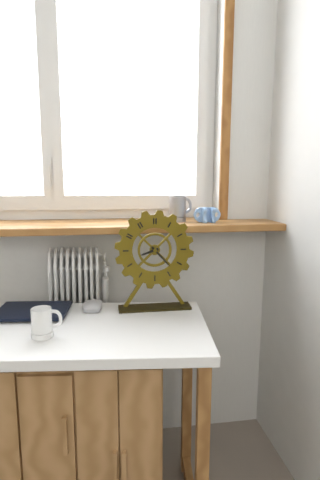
{"hour": 8, "minute": 23}
